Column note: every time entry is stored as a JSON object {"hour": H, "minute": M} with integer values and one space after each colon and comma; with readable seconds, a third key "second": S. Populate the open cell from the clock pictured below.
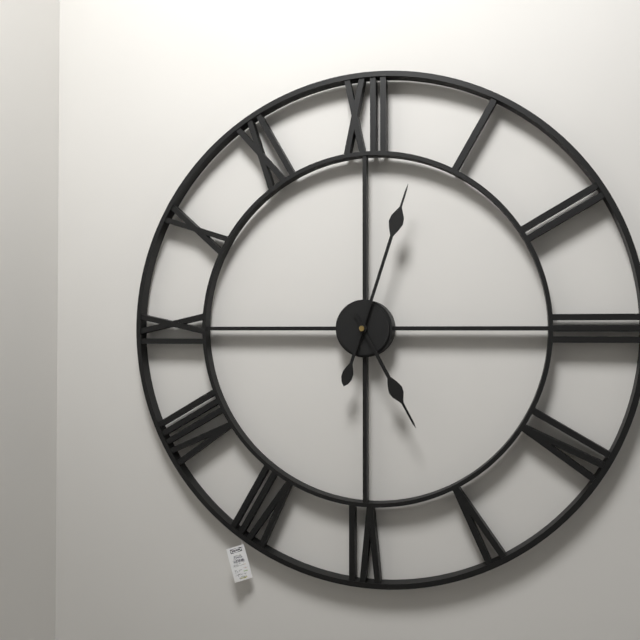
{"hour": 5, "minute": 3}
